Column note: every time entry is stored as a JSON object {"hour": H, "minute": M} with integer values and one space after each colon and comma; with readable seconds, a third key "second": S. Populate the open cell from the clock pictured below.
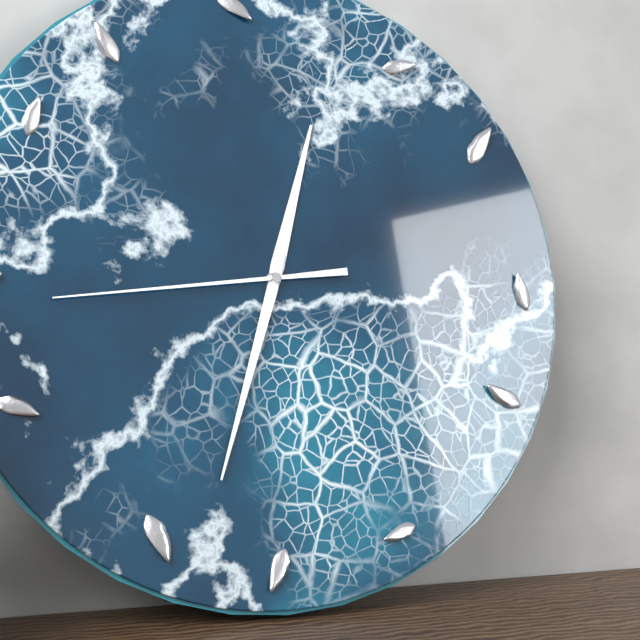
{"hour": 12, "minute": 33, "second": 44}
